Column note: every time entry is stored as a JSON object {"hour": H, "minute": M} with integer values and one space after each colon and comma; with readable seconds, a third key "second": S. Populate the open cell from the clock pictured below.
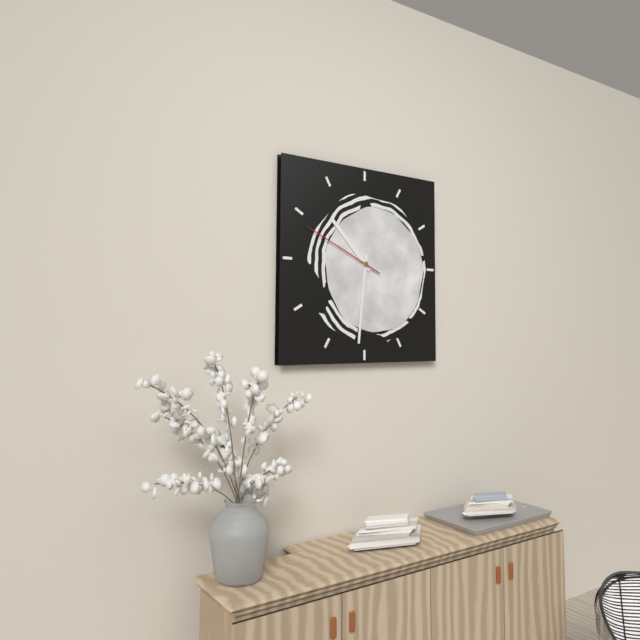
{"hour": 10, "minute": 31, "second": 49}
